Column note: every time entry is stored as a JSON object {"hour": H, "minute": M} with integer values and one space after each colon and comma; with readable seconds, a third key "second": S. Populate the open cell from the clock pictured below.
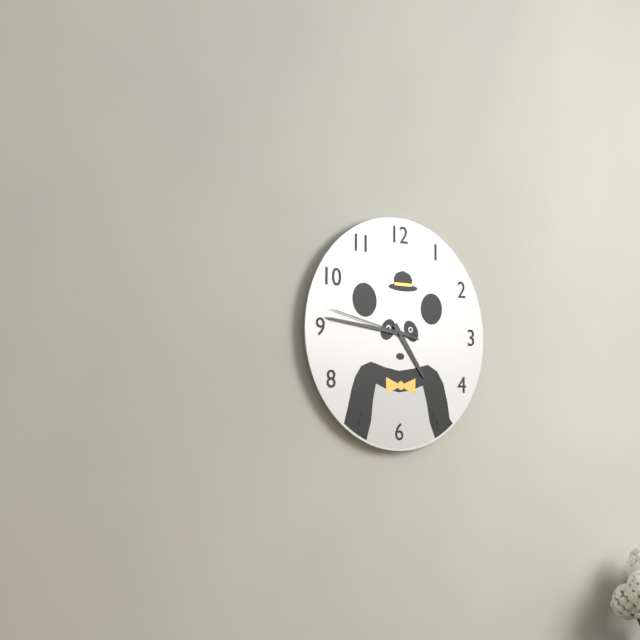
{"hour": 4, "minute": 46, "second": 47}
